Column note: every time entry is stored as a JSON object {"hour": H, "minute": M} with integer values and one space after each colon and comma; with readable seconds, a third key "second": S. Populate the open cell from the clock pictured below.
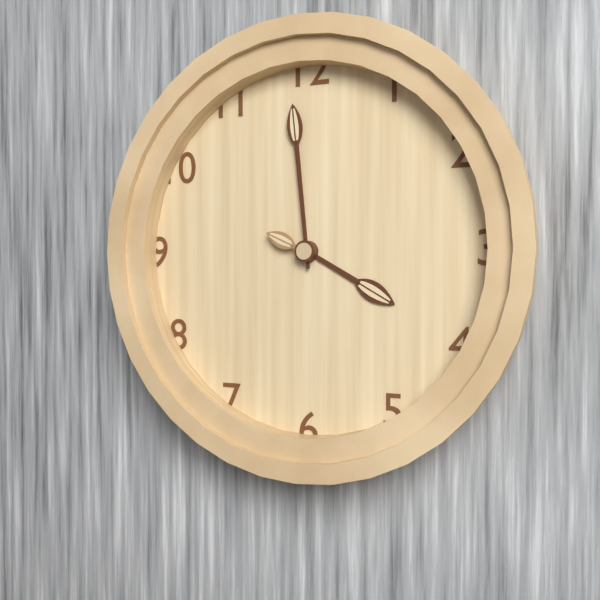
{"hour": 3, "minute": 59, "second": 49}
